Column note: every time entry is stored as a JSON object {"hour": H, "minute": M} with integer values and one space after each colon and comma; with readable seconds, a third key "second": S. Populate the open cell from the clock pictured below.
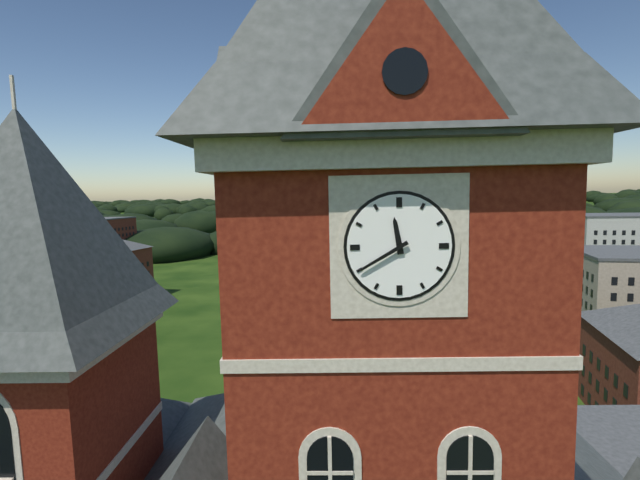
{"hour": 11, "minute": 40}
